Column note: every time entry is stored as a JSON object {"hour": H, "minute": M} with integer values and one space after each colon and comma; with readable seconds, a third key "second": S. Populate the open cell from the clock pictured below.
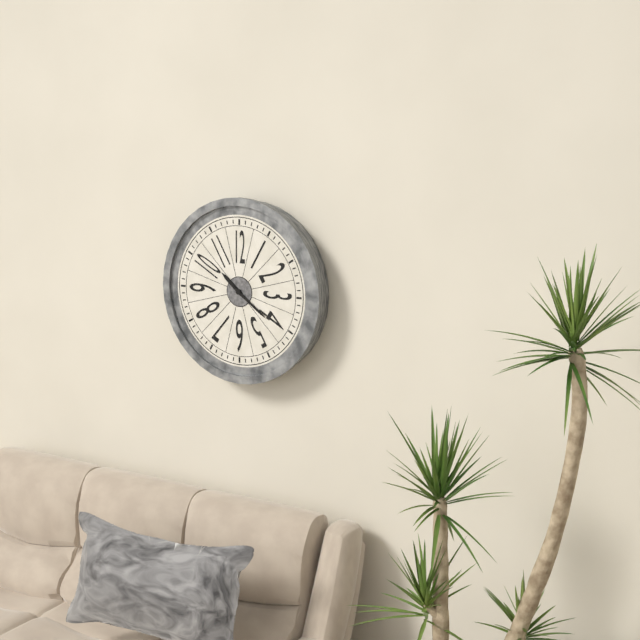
{"hour": 10, "minute": 21}
